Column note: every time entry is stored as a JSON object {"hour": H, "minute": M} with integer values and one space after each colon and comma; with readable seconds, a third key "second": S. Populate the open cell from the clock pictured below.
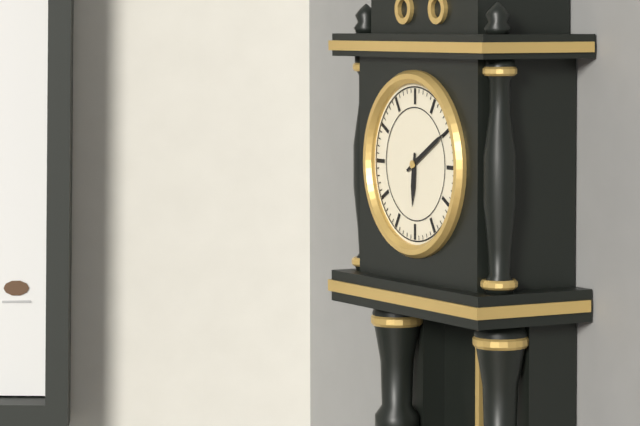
{"hour": 6, "minute": 10}
